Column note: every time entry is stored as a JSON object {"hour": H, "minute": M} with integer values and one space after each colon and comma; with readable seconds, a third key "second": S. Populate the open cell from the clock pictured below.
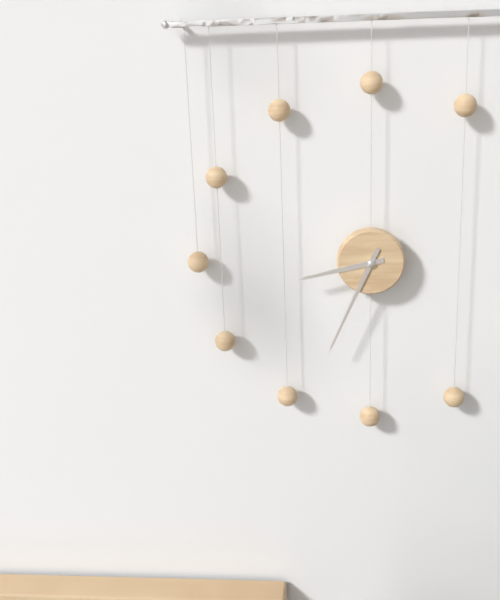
{"hour": 8, "minute": 34}
